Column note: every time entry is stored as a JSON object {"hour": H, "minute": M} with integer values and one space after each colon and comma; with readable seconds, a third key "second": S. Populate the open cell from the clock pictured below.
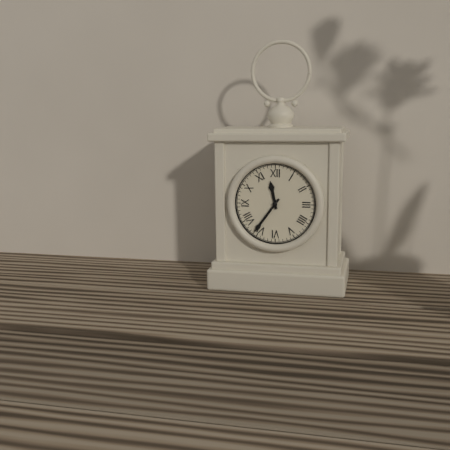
{"hour": 11, "minute": 36}
